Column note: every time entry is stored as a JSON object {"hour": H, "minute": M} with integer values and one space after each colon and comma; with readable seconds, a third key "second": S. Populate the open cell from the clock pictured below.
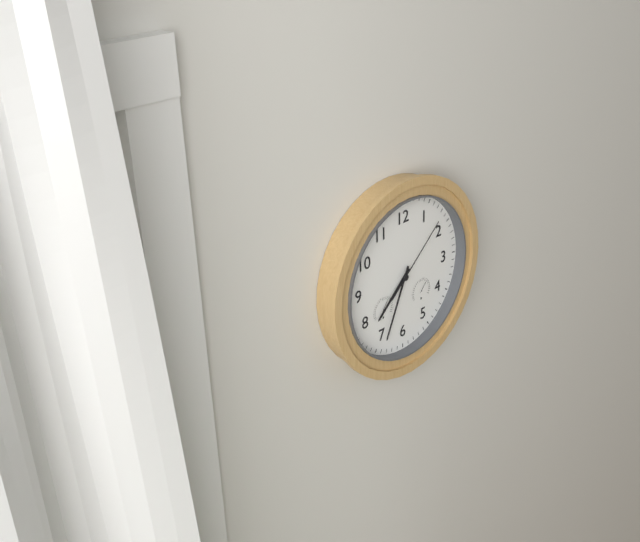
{"hour": 7, "minute": 34, "second": 8}
